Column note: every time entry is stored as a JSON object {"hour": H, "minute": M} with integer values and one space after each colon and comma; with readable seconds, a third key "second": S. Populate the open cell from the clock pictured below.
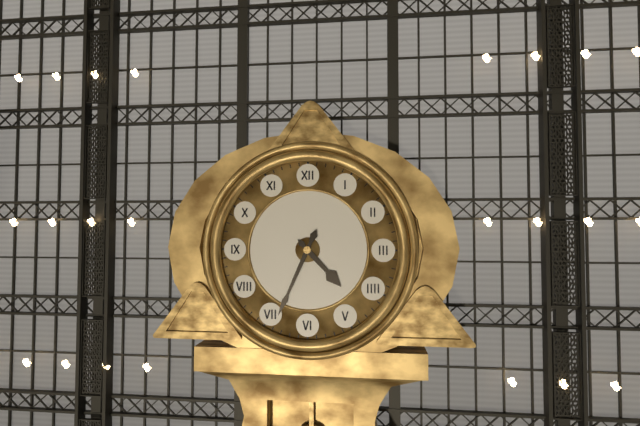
{"hour": 4, "minute": 34}
